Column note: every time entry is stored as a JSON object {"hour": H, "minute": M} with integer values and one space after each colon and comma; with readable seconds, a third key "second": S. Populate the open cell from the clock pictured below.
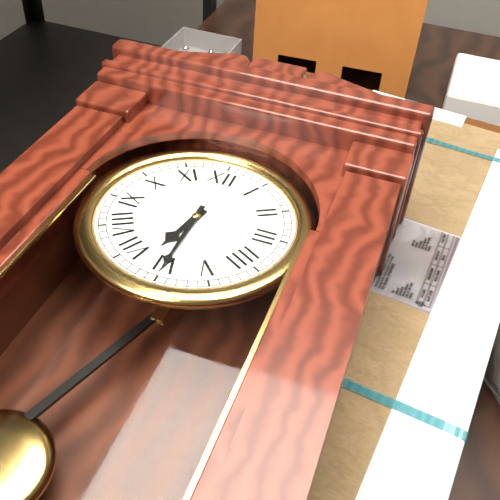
{"hour": 6, "minute": 30}
